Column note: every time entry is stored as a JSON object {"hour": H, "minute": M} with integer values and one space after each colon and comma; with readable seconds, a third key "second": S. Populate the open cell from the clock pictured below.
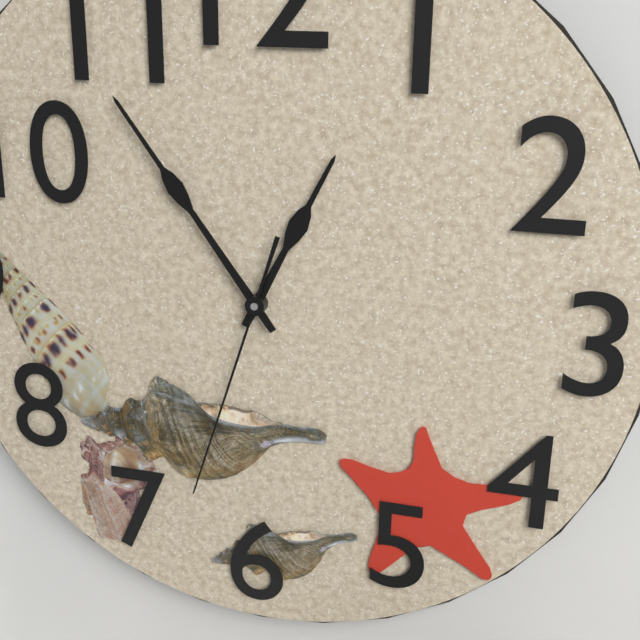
{"hour": 12, "minute": 54, "second": 33}
